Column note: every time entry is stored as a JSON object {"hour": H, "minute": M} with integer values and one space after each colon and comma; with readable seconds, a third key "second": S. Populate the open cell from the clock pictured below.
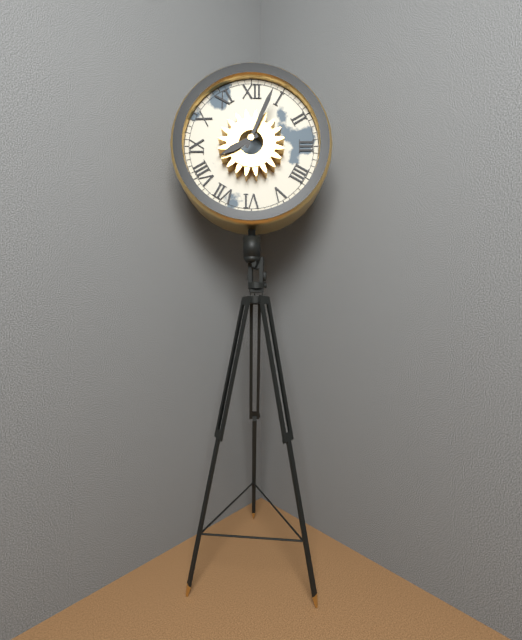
{"hour": 8, "minute": 4}
